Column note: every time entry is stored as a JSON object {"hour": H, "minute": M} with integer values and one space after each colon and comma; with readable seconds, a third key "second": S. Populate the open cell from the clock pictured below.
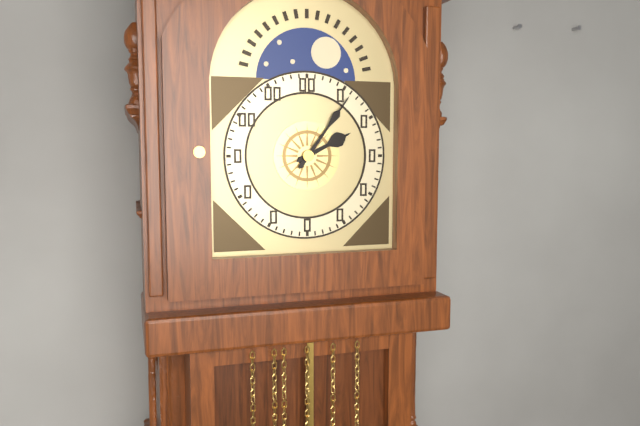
{"hour": 2, "minute": 6}
